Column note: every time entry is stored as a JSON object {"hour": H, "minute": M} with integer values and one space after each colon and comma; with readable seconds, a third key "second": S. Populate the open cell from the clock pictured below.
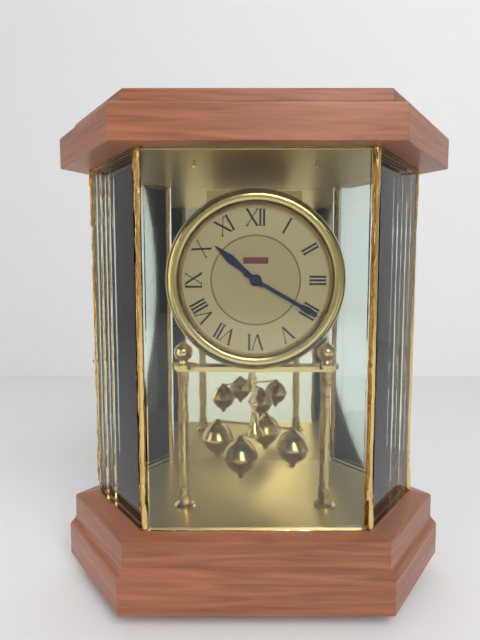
{"hour": 10, "minute": 20}
